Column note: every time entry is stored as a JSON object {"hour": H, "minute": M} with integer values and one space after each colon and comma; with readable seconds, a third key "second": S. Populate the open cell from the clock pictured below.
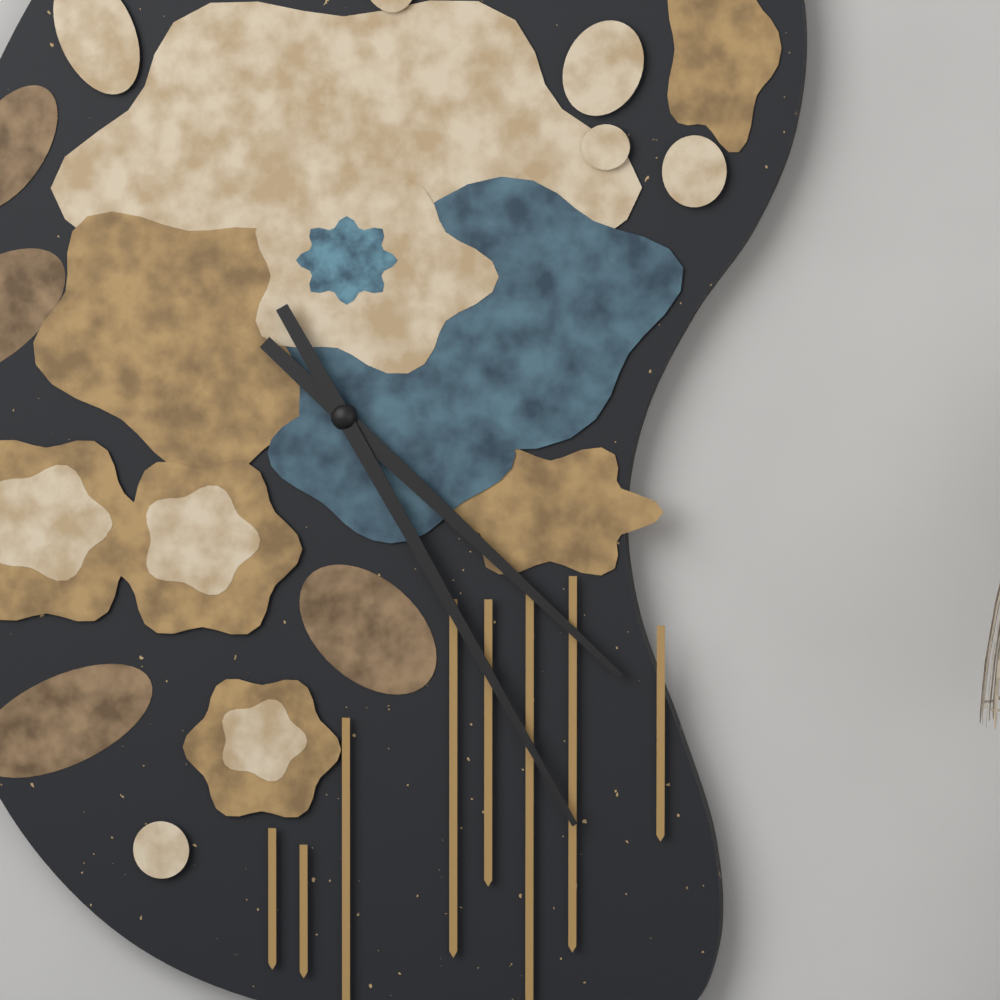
{"hour": 4, "minute": 25}
